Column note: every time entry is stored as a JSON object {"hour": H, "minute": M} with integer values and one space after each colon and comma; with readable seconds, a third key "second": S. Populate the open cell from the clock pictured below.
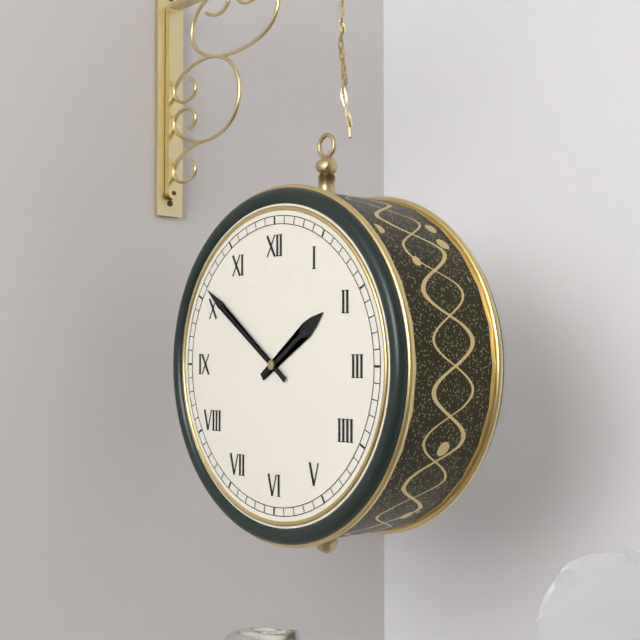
{"hour": 1, "minute": 51}
